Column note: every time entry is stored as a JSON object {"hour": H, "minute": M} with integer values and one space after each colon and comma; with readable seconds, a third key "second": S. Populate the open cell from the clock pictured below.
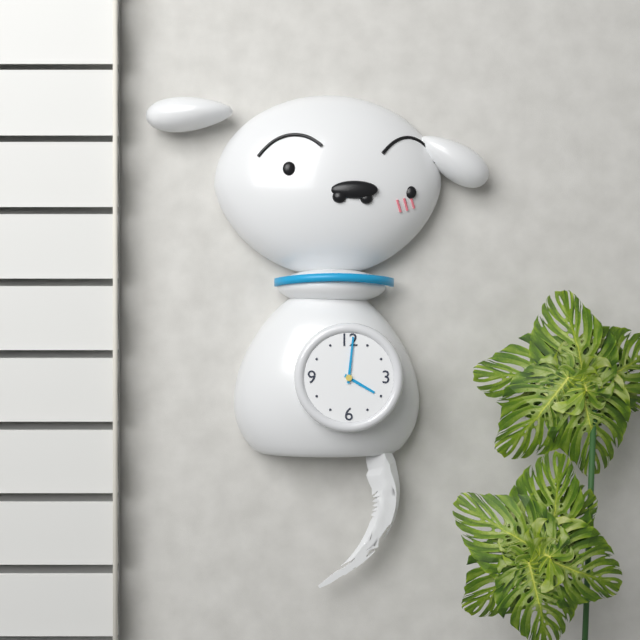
{"hour": 4, "minute": 1}
